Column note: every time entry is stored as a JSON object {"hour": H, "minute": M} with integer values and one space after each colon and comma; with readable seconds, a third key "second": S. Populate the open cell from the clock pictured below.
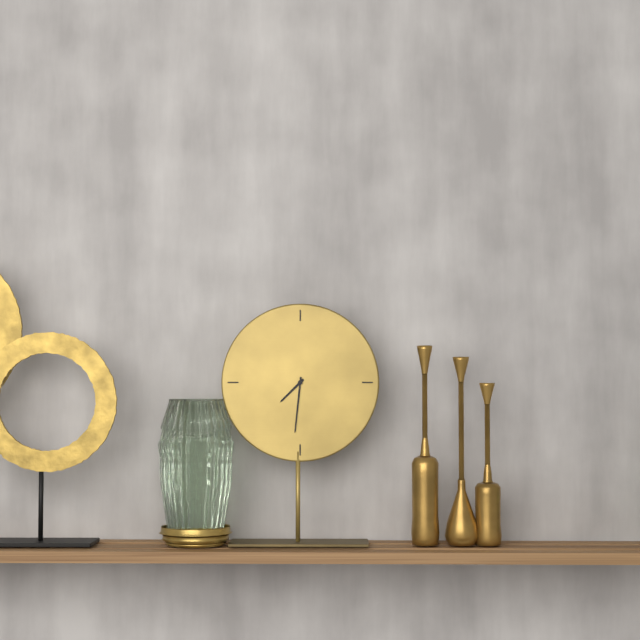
{"hour": 7, "minute": 31}
